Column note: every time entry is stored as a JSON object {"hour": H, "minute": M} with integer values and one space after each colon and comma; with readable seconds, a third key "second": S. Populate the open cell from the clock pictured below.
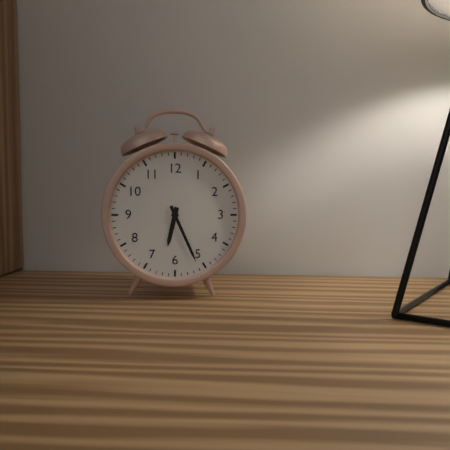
{"hour": 6, "minute": 26}
